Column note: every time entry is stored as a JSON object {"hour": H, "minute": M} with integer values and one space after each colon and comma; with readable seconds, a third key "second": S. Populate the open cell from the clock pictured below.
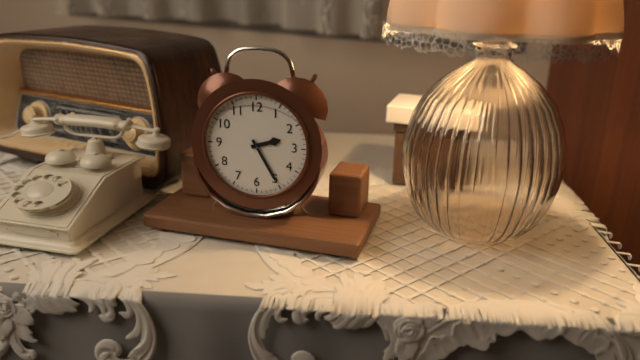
{"hour": 2, "minute": 25}
